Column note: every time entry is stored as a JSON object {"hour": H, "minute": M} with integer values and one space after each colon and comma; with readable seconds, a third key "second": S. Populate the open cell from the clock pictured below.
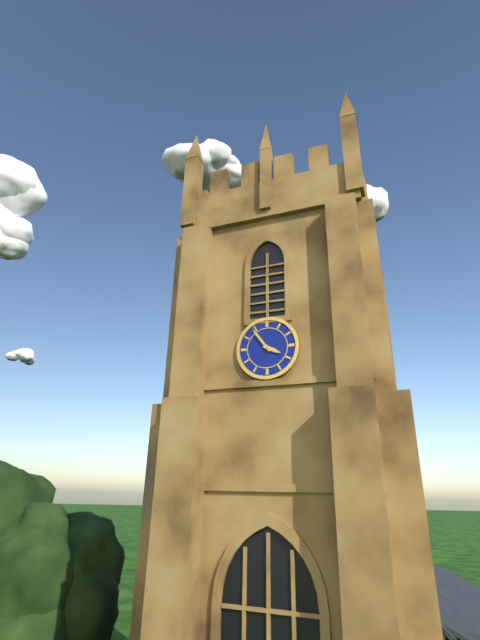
{"hour": 3, "minute": 54}
